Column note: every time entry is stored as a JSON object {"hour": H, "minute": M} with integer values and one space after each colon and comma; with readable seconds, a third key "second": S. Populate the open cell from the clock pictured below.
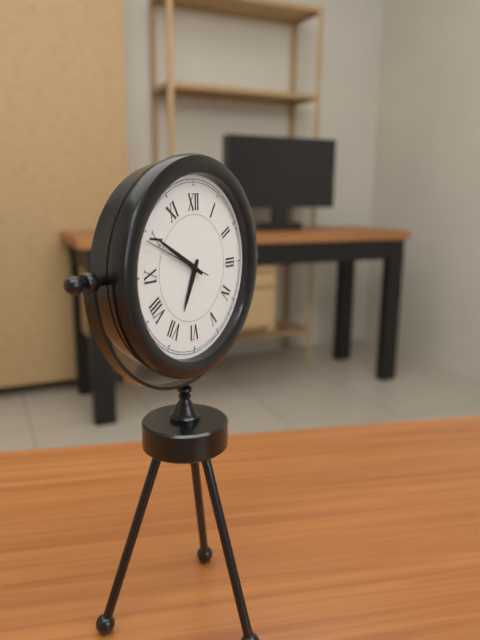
{"hour": 6, "minute": 50, "second": 49}
